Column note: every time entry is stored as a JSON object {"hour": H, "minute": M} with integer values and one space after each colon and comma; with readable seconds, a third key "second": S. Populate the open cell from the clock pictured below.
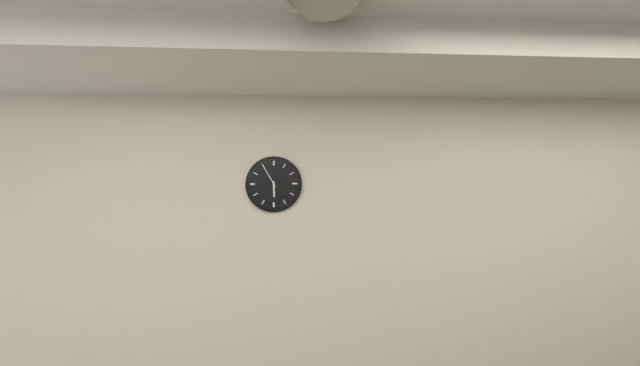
{"hour": 5, "minute": 55}
